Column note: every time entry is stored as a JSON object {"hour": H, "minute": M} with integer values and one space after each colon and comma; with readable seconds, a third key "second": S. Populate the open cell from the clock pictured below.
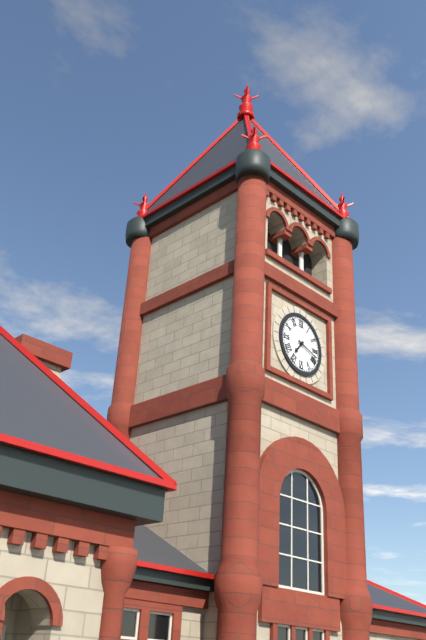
{"hour": 7, "minute": 18}
